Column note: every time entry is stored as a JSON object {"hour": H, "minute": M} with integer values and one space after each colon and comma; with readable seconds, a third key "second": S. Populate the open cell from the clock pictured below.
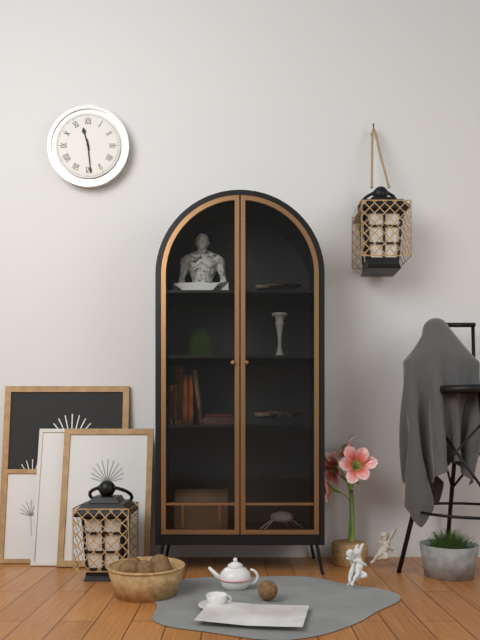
{"hour": 11, "minute": 29}
